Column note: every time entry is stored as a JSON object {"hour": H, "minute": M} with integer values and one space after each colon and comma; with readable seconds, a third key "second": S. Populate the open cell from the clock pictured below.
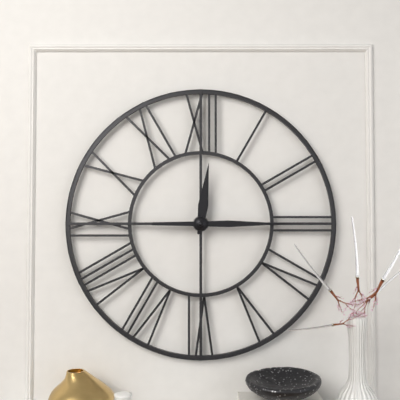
{"hour": 12, "minute": 15}
